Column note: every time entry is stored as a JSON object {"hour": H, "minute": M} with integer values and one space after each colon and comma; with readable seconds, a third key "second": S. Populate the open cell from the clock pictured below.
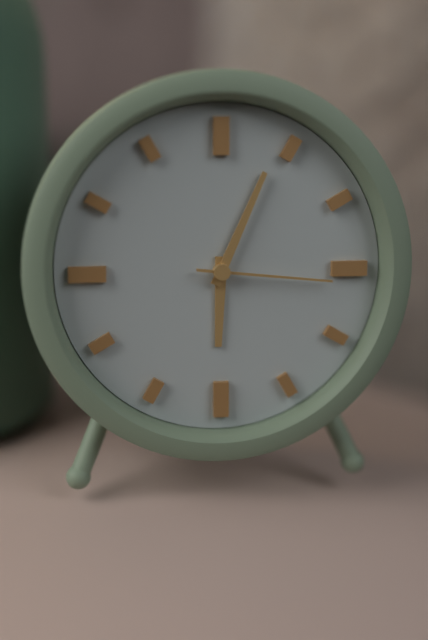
{"hour": 6, "minute": 4, "second": 16}
